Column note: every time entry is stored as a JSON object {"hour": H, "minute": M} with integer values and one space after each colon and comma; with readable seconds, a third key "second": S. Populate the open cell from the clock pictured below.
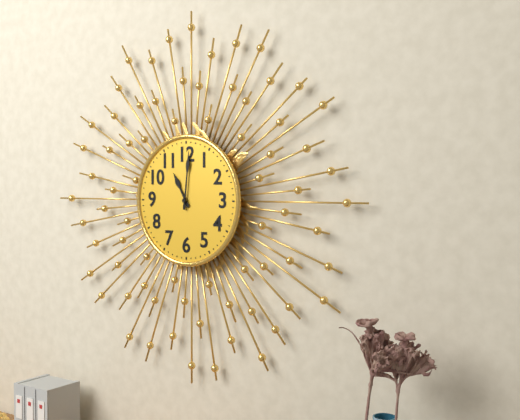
{"hour": 11, "minute": 1}
